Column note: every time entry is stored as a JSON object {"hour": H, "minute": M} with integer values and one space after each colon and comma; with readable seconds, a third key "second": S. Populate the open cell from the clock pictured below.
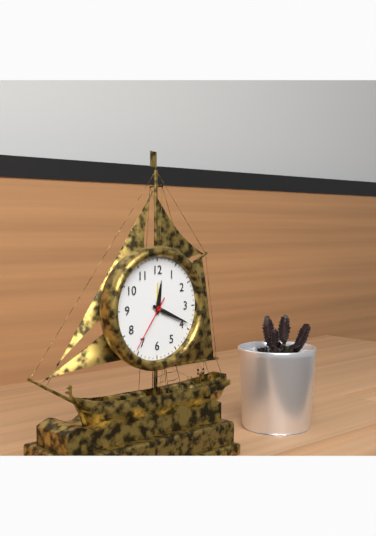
{"hour": 12, "minute": 19, "second": 36}
